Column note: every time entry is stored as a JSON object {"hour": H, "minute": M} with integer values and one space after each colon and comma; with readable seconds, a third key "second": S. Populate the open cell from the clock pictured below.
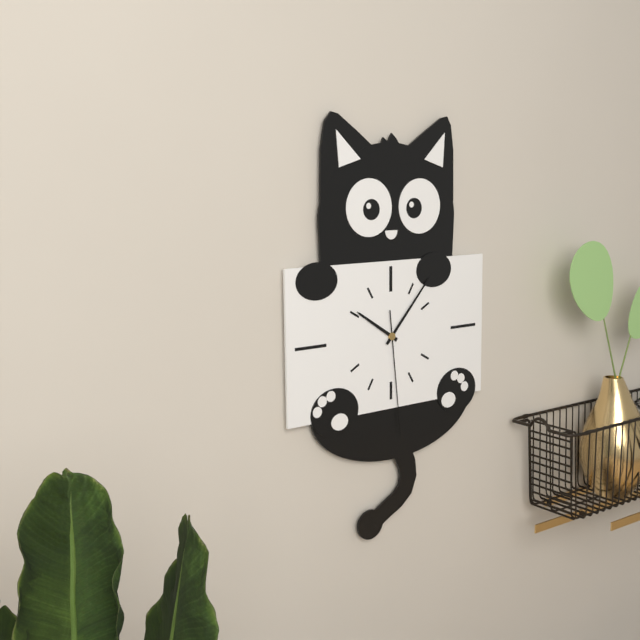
{"hour": 10, "minute": 7, "second": 29}
